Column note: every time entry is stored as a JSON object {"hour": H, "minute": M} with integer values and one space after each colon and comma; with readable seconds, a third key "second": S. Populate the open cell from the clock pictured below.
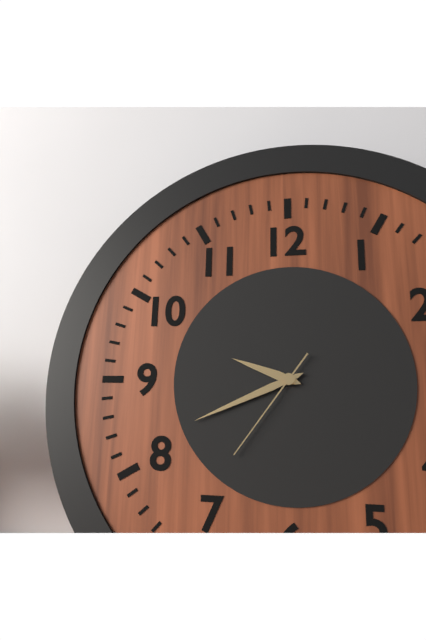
{"hour": 9, "minute": 41, "second": 36}
